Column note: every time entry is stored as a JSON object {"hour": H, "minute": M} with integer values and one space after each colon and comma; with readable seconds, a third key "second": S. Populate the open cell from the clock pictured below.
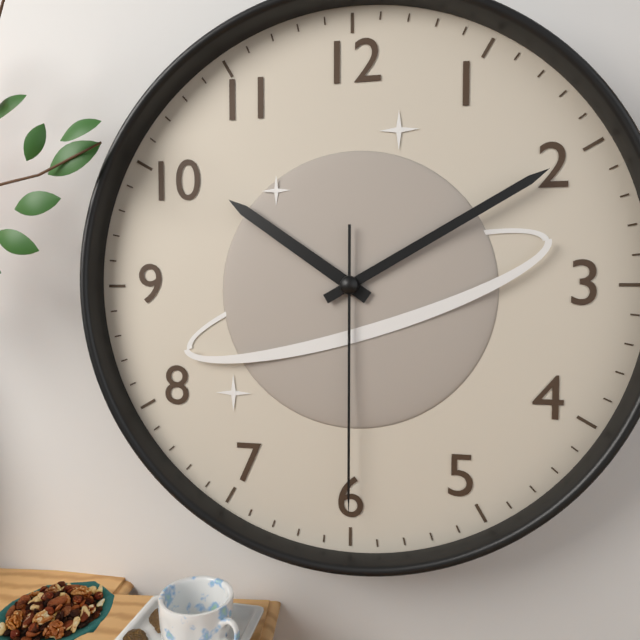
{"hour": 10, "minute": 10, "second": 30}
